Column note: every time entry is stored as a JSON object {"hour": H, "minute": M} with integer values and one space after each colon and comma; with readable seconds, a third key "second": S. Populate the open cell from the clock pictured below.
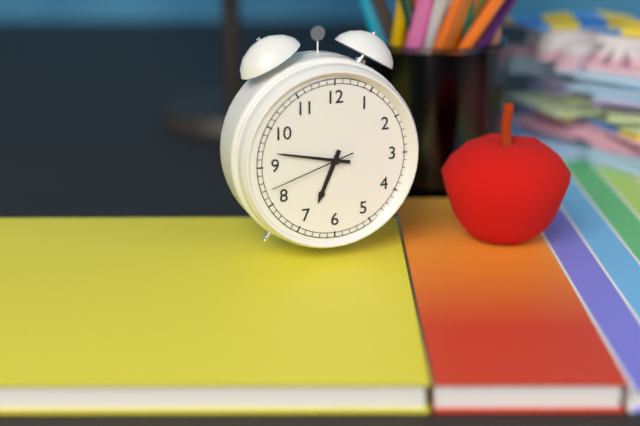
{"hour": 6, "minute": 47, "second": 42}
